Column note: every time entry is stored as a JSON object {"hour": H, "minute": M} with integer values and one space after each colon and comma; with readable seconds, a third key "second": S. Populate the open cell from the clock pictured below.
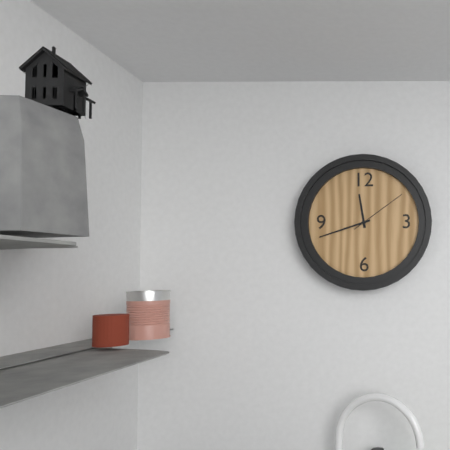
{"hour": 11, "minute": 42, "second": 9}
